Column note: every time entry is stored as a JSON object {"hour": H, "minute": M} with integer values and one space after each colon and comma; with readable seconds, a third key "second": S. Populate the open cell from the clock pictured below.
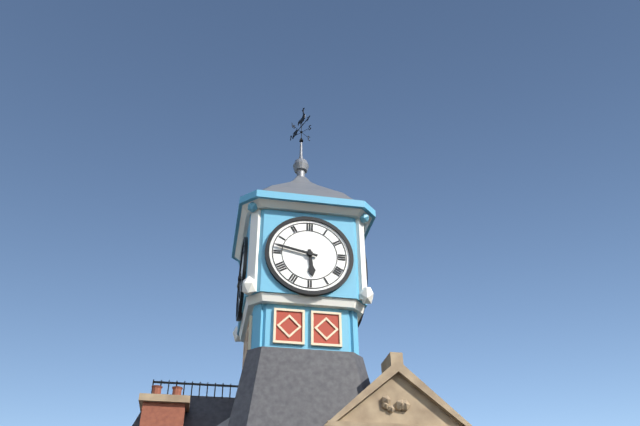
{"hour": 5, "minute": 47}
